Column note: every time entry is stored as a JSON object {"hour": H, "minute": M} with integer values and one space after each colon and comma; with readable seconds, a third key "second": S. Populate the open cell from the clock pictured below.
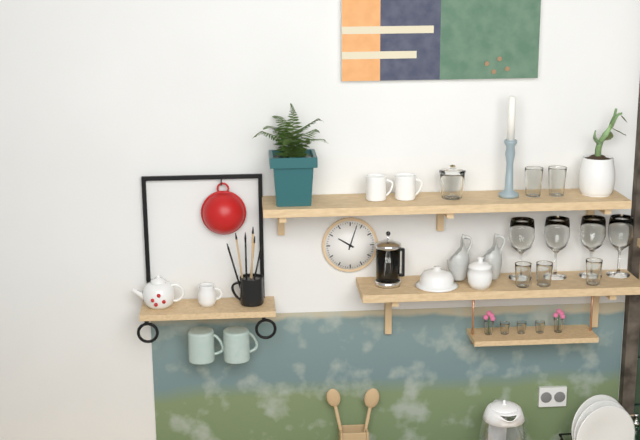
{"hour": 10, "minute": 3}
